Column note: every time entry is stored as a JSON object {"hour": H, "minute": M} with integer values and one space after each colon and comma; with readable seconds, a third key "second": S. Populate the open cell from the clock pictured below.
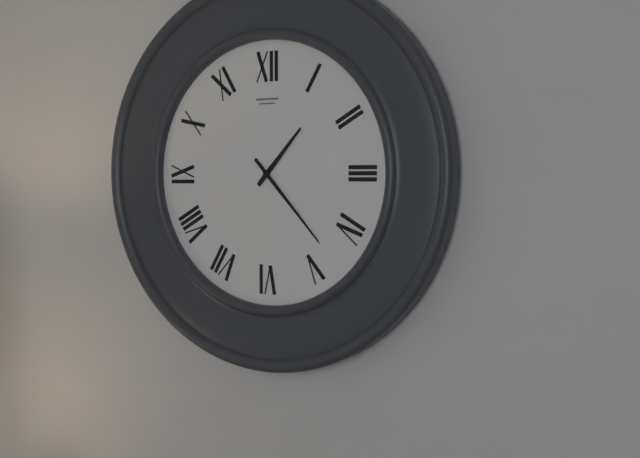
{"hour": 1, "minute": 23}
